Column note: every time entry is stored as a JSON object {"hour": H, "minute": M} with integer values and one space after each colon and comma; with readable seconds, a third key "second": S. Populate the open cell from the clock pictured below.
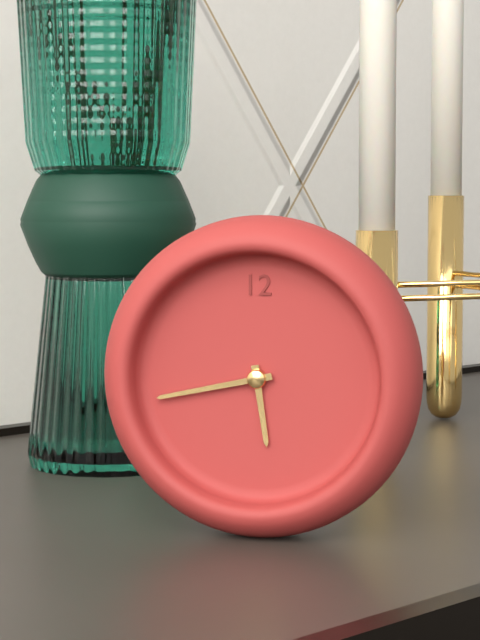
{"hour": 5, "minute": 43}
